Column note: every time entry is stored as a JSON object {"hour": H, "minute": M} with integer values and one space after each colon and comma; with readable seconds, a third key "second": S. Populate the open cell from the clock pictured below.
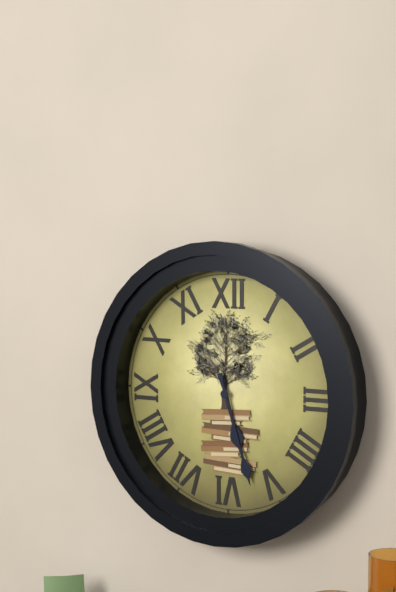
{"hour": 5, "minute": 27}
